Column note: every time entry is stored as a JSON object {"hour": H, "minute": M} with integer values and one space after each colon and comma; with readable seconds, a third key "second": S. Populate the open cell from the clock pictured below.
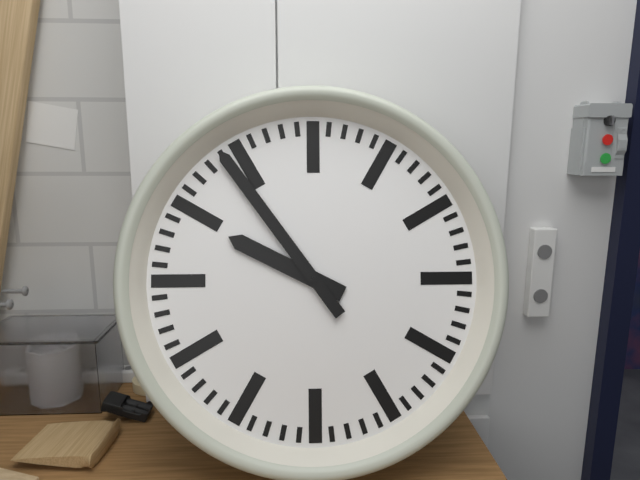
{"hour": 9, "minute": 54}
